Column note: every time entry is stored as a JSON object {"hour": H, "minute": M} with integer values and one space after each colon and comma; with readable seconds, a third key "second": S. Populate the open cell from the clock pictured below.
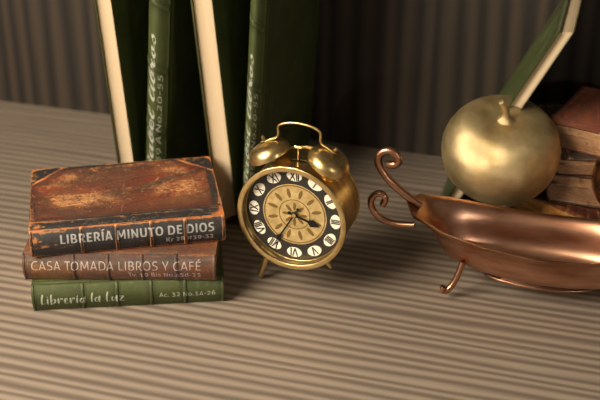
{"hour": 3, "minute": 35}
